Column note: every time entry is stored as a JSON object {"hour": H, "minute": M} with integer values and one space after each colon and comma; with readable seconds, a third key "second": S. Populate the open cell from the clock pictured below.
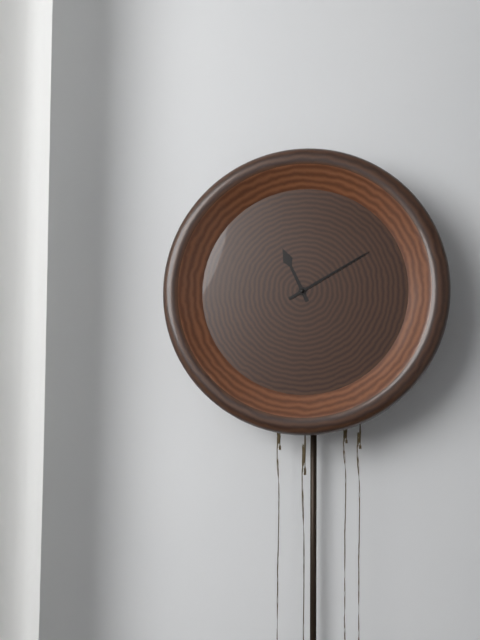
{"hour": 11, "minute": 10}
